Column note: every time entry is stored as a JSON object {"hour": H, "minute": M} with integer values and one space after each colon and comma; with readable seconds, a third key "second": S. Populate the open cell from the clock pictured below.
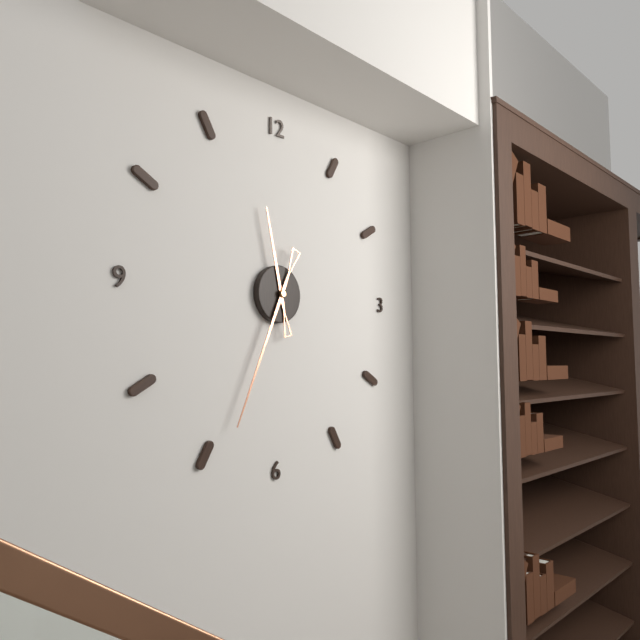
{"hour": 11, "minute": 34}
